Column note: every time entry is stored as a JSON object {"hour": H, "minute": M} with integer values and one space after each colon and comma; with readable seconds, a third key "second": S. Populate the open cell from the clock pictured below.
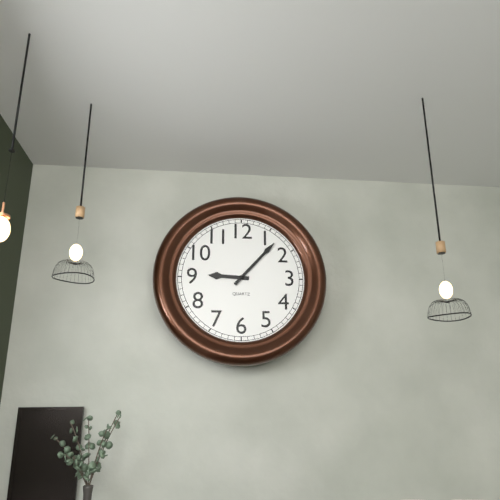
{"hour": 9, "minute": 7}
